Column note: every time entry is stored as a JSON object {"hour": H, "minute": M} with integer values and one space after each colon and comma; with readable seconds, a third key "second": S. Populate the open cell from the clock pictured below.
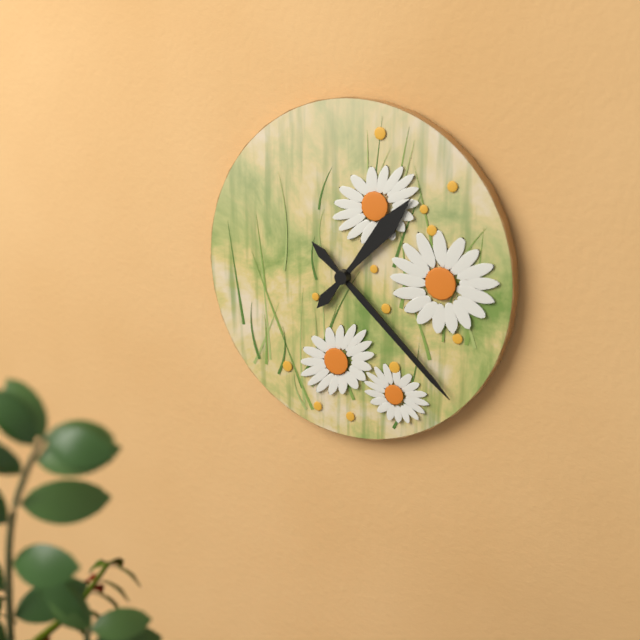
{"hour": 1, "minute": 22}
